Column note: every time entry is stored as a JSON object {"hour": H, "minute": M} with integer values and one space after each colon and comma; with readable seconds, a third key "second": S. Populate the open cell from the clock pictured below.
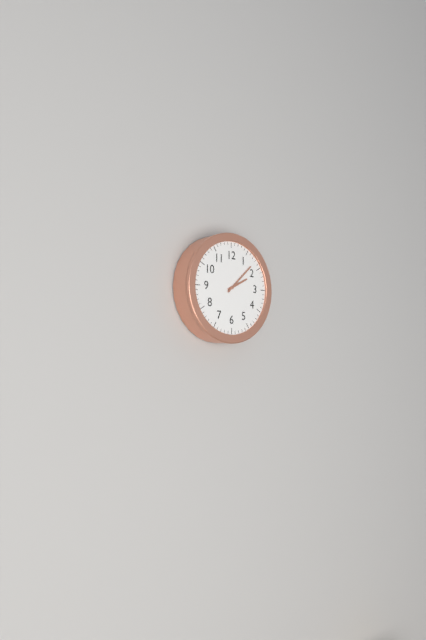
{"hour": 2, "minute": 8}
